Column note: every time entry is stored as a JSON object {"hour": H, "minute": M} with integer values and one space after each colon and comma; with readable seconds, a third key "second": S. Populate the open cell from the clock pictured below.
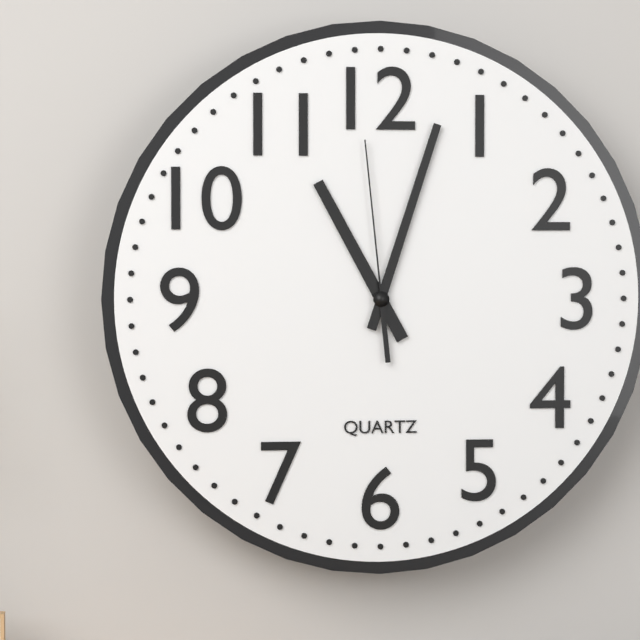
{"hour": 11, "minute": 3, "second": 59}
